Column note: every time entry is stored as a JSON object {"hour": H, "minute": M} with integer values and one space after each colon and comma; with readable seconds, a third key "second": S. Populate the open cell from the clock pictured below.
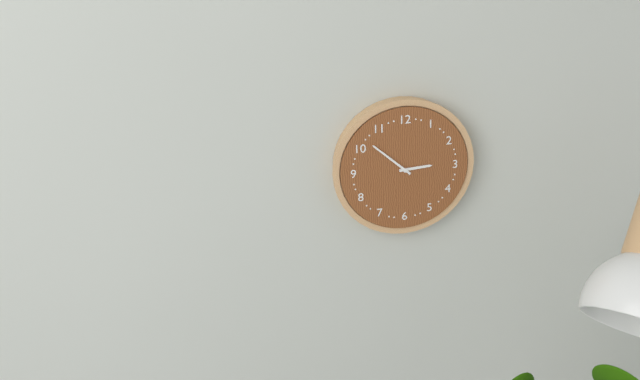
{"hour": 2, "minute": 52}
